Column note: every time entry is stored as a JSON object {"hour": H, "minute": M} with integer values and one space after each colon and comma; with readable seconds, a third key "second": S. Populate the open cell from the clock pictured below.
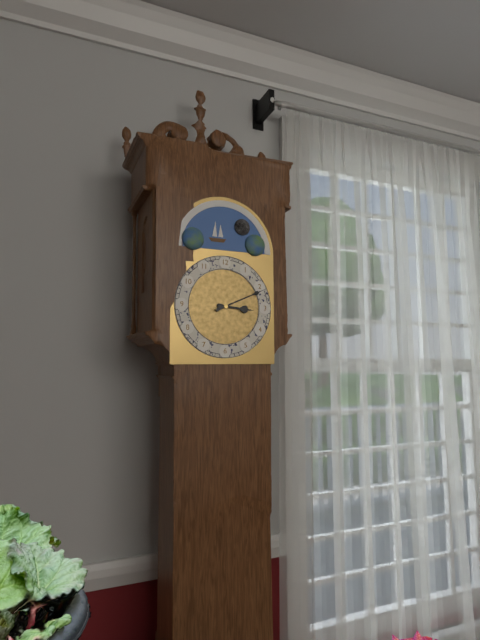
{"hour": 3, "minute": 11}
